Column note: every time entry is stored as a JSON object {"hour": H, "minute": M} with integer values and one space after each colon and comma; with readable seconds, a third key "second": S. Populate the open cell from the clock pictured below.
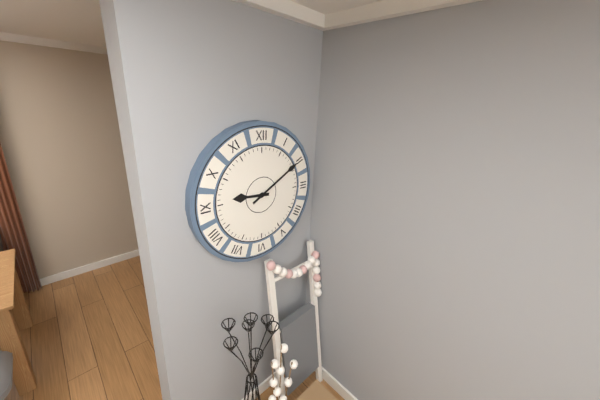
{"hour": 9, "minute": 10}
